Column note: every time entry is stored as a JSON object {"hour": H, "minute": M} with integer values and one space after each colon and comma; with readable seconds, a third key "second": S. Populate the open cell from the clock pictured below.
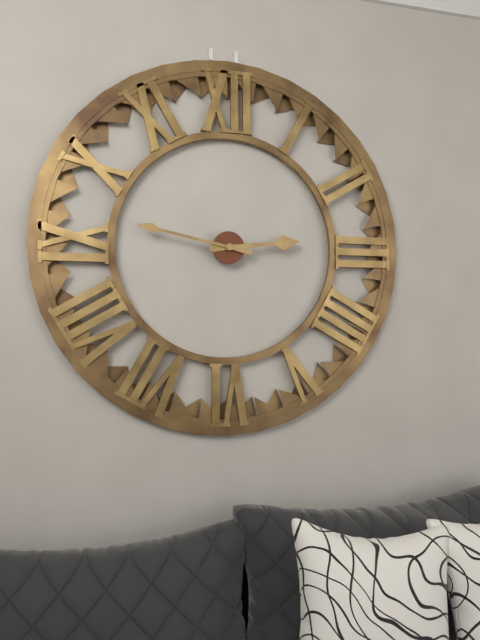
{"hour": 2, "minute": 47}
